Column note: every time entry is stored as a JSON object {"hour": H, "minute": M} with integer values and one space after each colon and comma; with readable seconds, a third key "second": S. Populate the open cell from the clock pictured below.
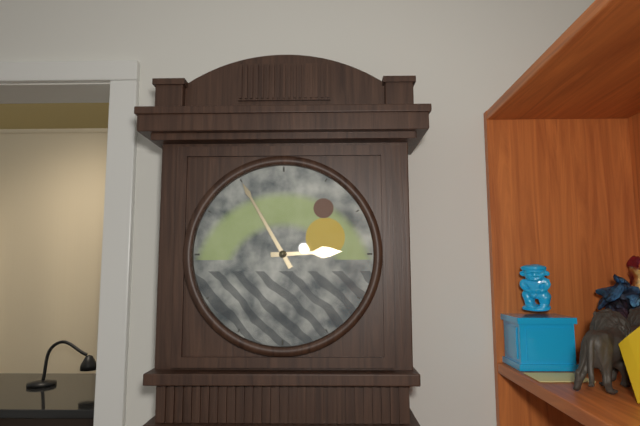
{"hour": 2, "minute": 55}
